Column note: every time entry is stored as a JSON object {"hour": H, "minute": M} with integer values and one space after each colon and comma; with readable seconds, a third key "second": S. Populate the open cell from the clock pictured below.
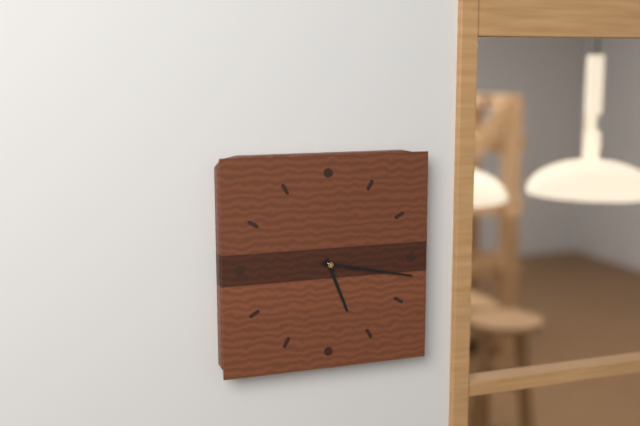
{"hour": 5, "minute": 17}
